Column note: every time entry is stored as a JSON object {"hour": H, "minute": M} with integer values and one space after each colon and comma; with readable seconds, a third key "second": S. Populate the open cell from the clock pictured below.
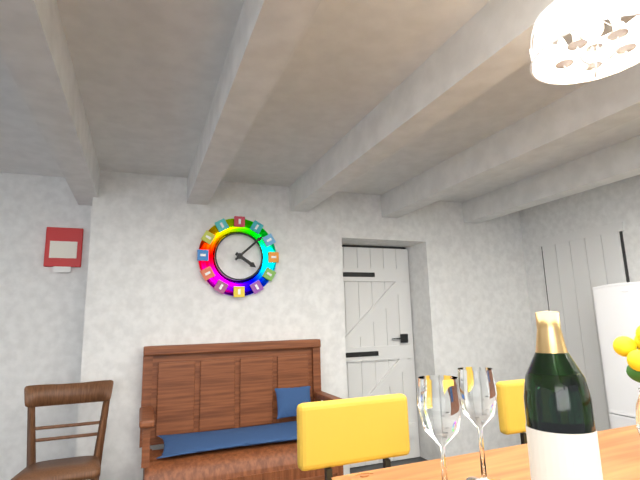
{"hour": 4, "minute": 8}
